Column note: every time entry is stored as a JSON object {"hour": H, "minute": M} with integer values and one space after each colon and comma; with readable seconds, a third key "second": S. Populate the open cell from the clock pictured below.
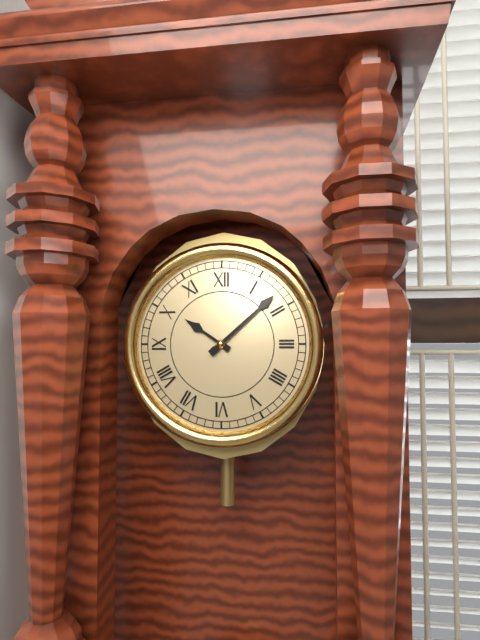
{"hour": 10, "minute": 8}
